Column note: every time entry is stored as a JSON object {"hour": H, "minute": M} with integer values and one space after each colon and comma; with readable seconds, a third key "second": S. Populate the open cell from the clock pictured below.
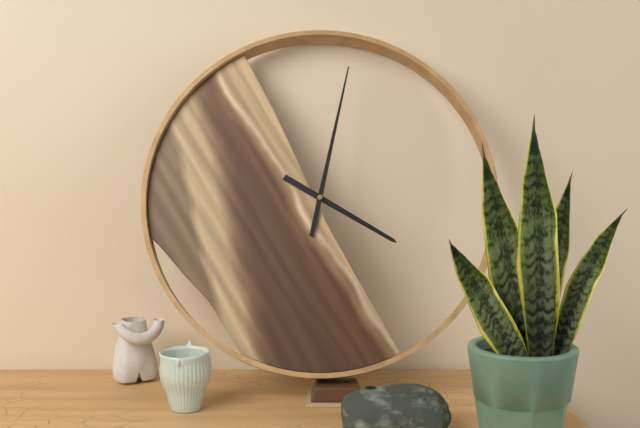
{"hour": 4, "minute": 2}
